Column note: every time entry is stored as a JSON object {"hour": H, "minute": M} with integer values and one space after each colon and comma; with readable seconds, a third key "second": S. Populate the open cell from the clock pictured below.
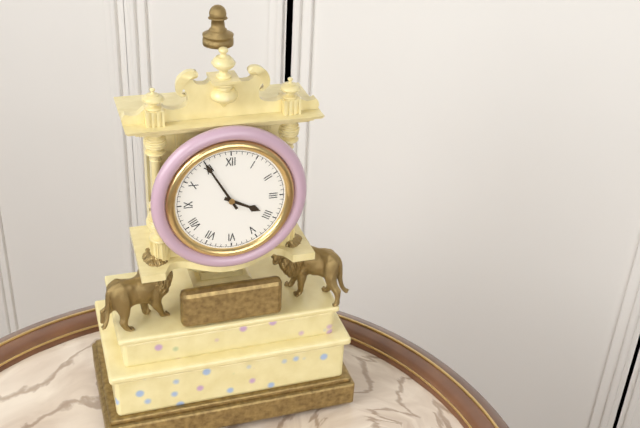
{"hour": 3, "minute": 55}
